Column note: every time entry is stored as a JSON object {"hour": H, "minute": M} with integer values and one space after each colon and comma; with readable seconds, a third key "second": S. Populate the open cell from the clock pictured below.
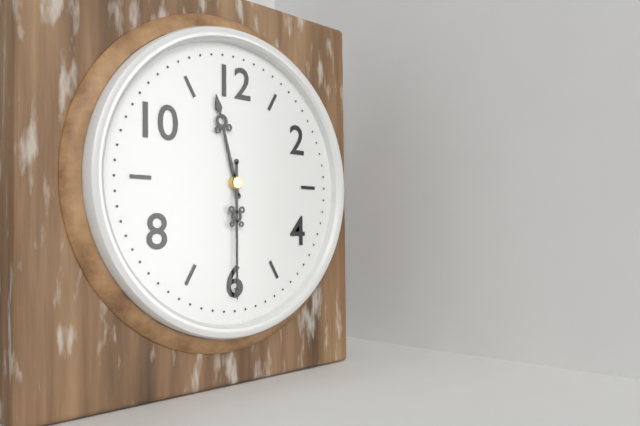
{"hour": 11, "minute": 30}
